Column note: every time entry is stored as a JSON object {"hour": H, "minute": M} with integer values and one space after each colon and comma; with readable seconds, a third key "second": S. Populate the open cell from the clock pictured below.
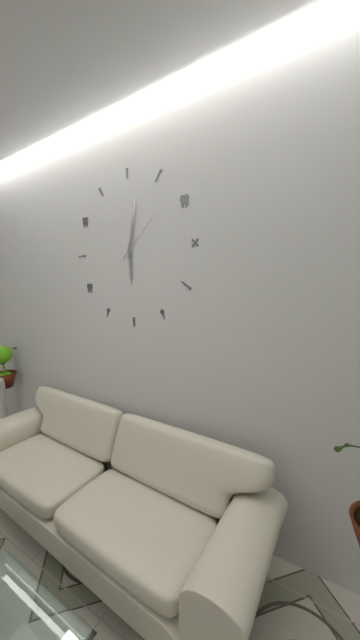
{"hour": 6, "minute": 2, "second": 8}
